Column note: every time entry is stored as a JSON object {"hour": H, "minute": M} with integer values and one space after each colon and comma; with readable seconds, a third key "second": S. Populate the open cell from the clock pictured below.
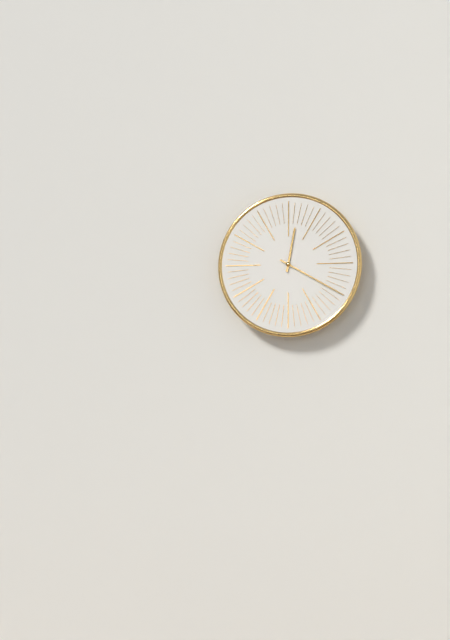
{"hour": 12, "minute": 20}
